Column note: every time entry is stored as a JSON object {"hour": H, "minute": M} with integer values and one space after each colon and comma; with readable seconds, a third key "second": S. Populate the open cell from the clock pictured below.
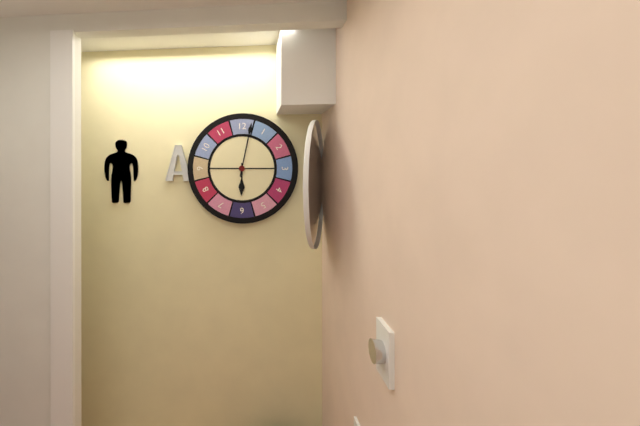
{"hour": 6, "minute": 2}
